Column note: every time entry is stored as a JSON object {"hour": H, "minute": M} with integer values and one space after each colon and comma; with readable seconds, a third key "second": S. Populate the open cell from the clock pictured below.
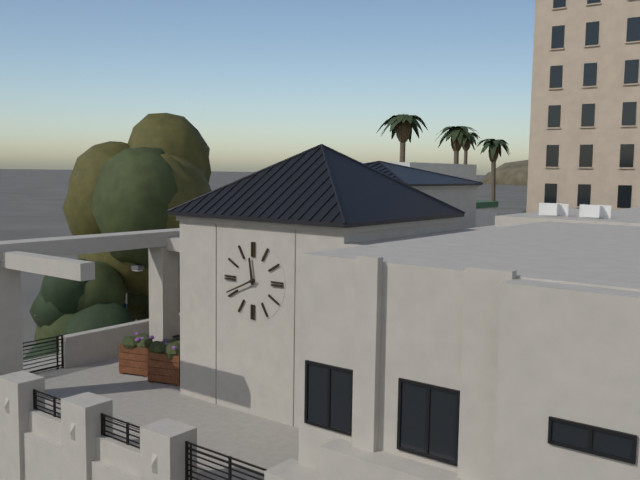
{"hour": 11, "minute": 41}
